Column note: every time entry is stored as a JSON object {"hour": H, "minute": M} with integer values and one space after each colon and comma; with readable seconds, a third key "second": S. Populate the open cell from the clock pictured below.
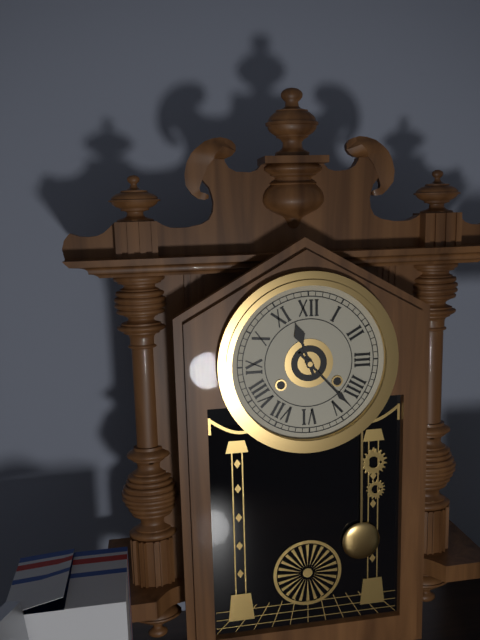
{"hour": 11, "minute": 23}
